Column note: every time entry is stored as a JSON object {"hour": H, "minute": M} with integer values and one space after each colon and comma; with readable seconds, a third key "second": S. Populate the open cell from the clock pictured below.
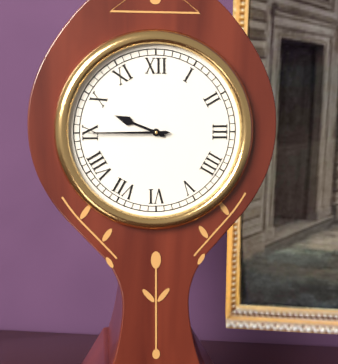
{"hour": 9, "minute": 45}
